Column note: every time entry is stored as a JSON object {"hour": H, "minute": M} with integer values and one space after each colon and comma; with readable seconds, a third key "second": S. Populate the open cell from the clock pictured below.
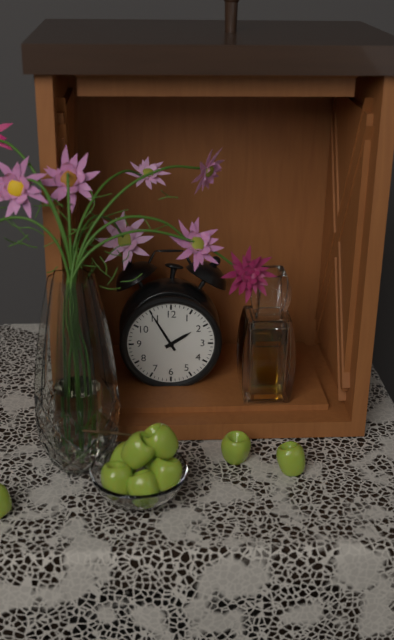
{"hour": 1, "minute": 55}
